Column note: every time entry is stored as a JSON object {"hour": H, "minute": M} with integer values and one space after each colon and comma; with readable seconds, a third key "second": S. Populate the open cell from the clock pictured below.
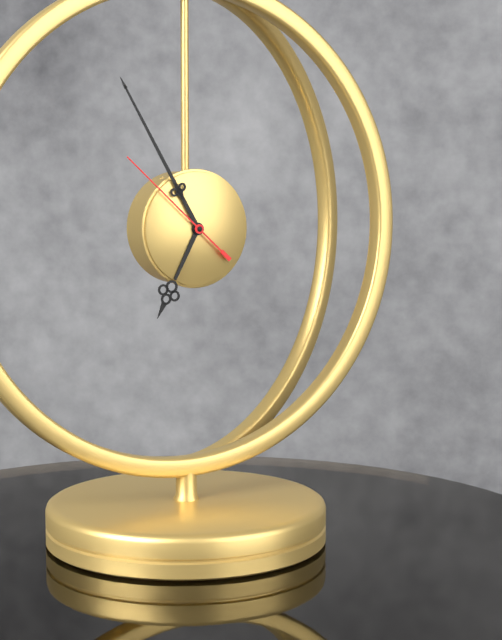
{"hour": 6, "minute": 55, "second": 52}
